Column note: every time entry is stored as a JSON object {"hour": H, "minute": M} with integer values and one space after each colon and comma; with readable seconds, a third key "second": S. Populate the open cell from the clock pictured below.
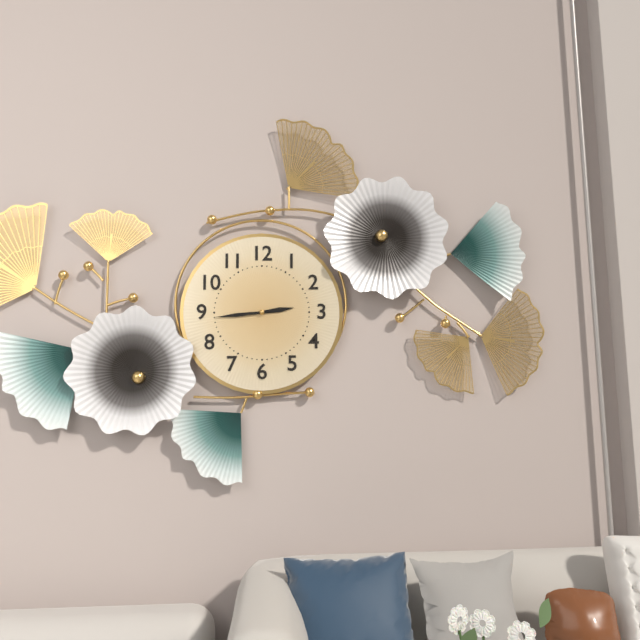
{"hour": 2, "minute": 44}
